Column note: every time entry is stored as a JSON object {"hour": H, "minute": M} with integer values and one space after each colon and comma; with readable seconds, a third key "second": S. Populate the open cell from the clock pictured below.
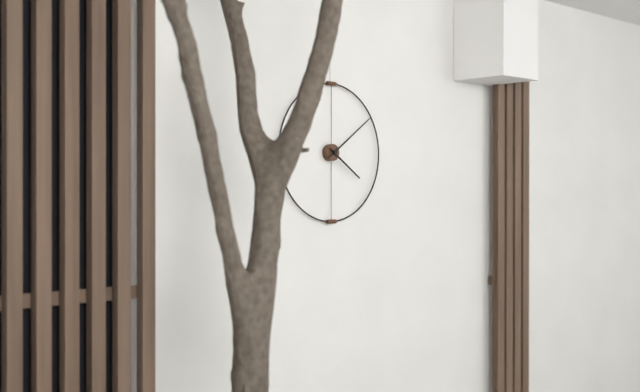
{"hour": 4, "minute": 9}
